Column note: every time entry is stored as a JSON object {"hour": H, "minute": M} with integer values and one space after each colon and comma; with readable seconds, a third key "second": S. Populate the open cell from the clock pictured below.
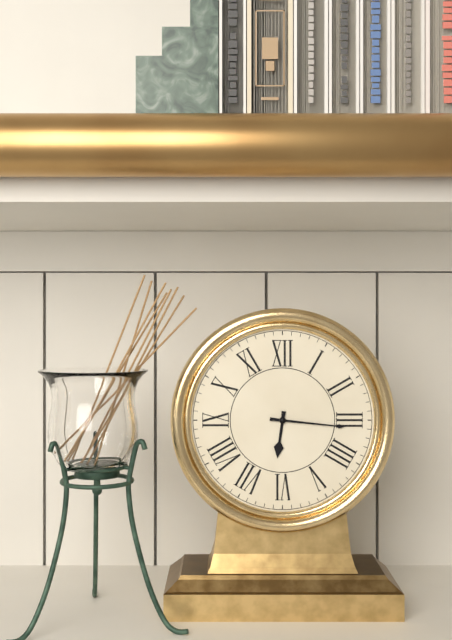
{"hour": 6, "minute": 16}
